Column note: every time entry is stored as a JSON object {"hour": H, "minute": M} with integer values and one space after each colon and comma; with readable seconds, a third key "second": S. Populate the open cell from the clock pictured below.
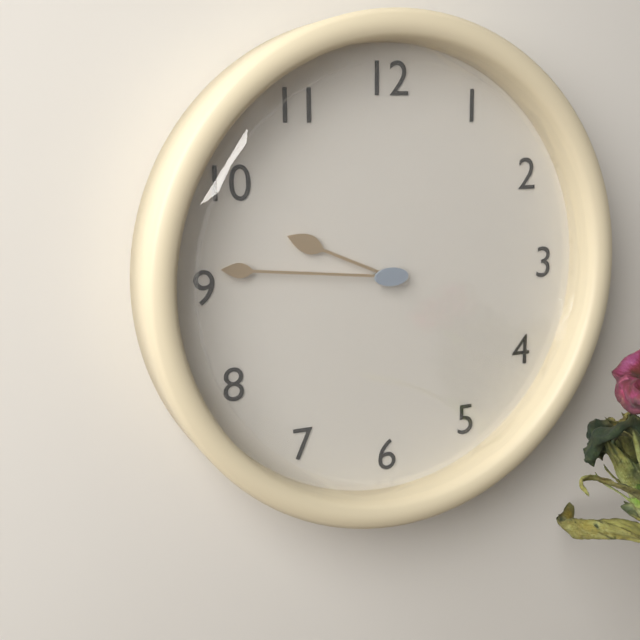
{"hour": 9, "minute": 46}
